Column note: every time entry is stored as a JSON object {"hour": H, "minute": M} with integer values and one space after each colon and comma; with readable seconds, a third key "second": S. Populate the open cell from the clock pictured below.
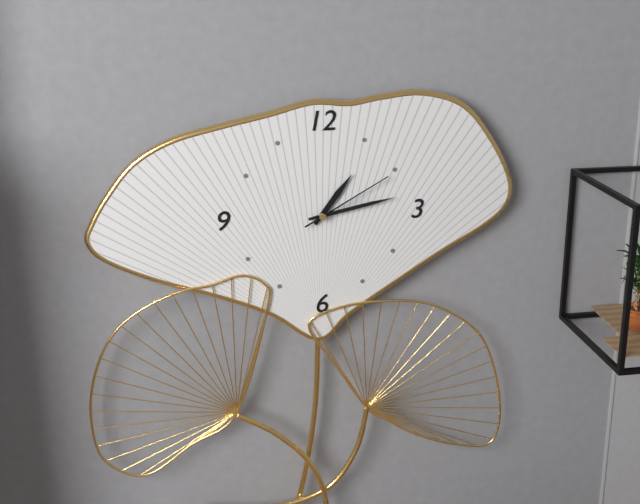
{"hour": 1, "minute": 13, "second": 10}
